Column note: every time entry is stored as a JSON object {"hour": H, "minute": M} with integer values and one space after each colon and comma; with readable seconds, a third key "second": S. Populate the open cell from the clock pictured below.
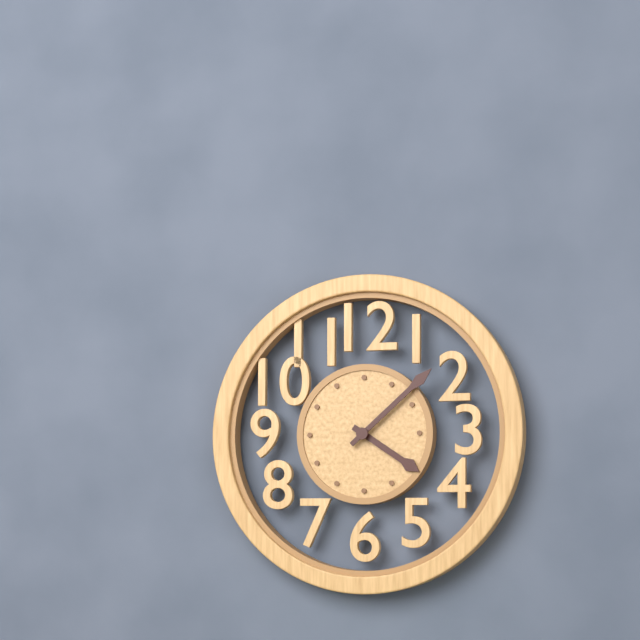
{"hour": 4, "minute": 8}
